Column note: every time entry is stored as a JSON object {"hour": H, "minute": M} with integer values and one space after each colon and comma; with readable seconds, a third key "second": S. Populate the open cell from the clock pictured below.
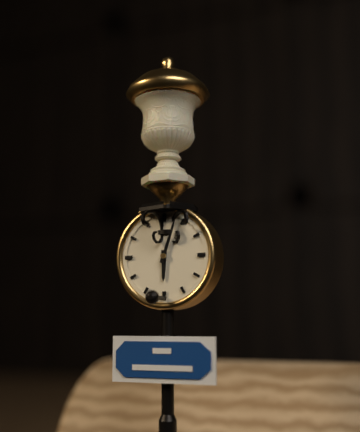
{"hour": 6, "minute": 3}
